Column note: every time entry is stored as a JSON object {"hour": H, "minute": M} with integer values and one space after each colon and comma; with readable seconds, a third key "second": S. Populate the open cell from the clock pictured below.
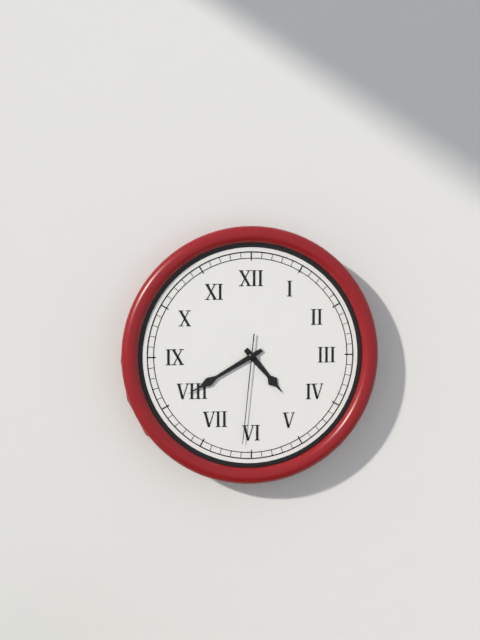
{"hour": 4, "minute": 40, "second": 31}
